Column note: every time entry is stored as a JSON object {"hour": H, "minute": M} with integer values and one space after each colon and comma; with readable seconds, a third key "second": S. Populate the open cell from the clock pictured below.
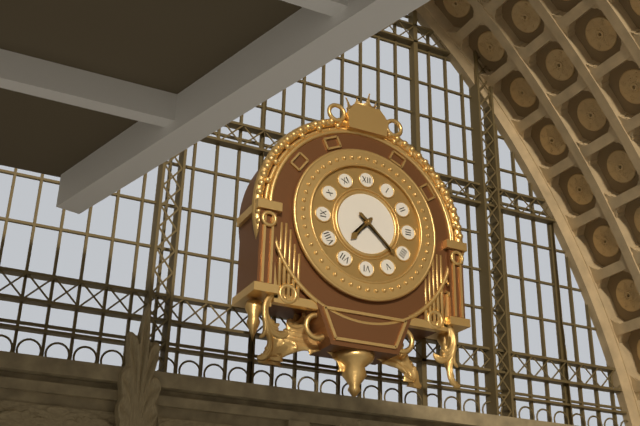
{"hour": 7, "minute": 22}
